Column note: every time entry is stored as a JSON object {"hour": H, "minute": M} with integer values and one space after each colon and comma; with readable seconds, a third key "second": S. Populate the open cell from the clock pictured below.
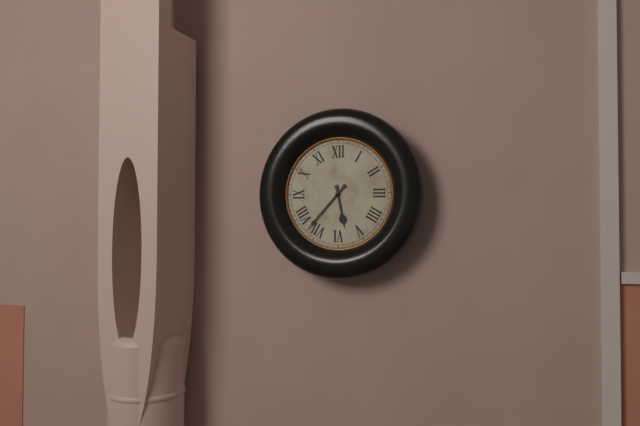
{"hour": 5, "minute": 37}
